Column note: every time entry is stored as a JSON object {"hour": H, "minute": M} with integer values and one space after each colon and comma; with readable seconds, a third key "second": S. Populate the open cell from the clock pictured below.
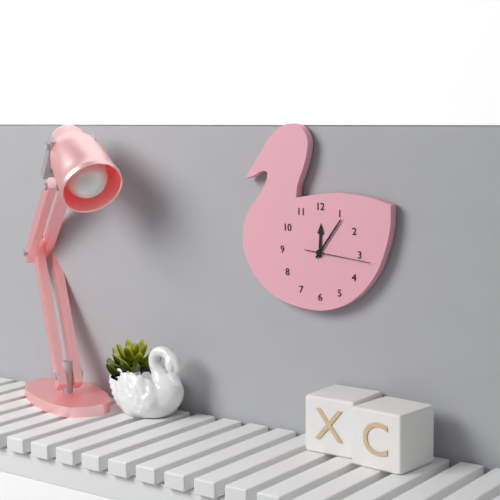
{"hour": 12, "minute": 6, "second": 16}
